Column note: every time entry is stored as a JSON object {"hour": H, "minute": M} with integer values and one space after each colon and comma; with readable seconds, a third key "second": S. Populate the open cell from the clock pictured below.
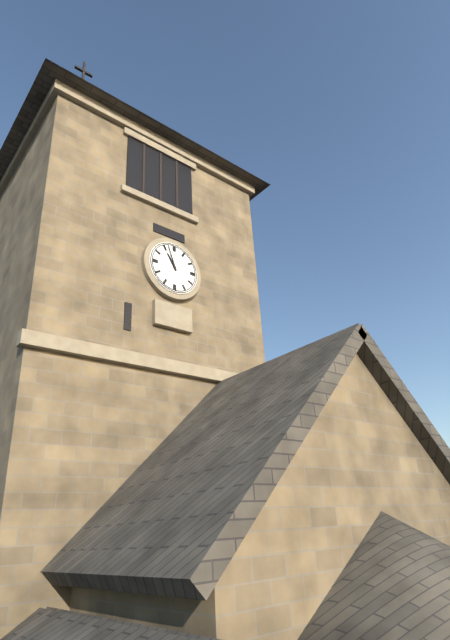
{"hour": 10, "minute": 57}
